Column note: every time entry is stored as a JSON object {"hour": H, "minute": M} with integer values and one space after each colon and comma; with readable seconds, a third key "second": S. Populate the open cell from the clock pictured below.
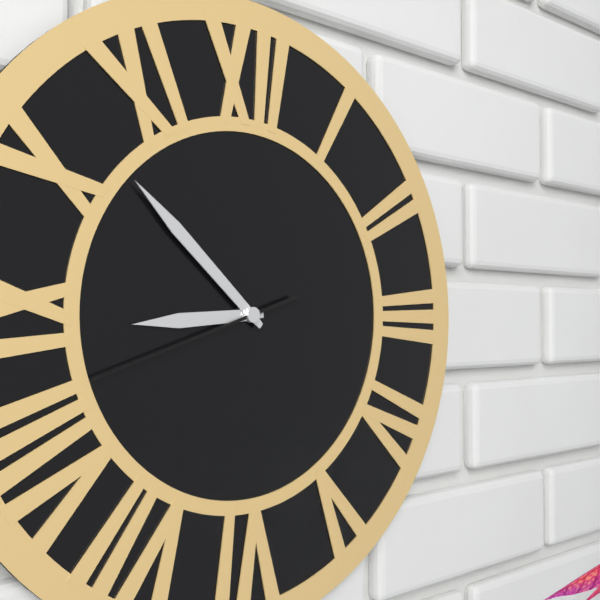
{"hour": 8, "minute": 52, "second": 42}
